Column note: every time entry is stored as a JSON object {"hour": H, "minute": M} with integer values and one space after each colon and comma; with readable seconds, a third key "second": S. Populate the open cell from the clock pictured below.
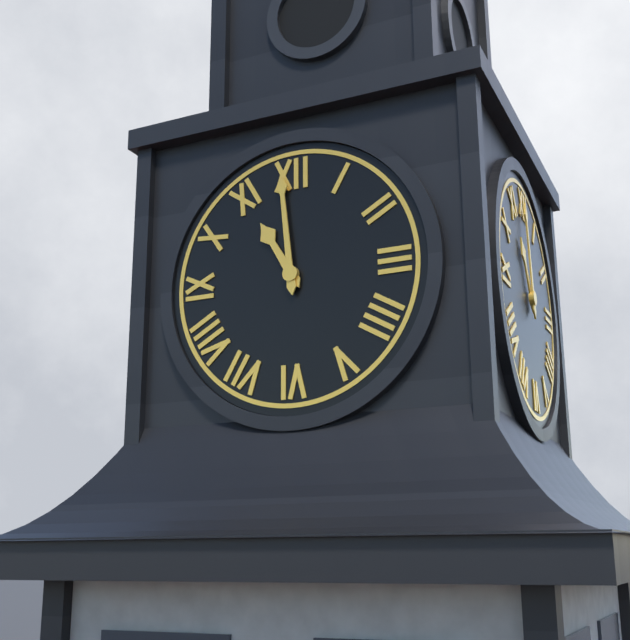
{"hour": 10, "minute": 59}
